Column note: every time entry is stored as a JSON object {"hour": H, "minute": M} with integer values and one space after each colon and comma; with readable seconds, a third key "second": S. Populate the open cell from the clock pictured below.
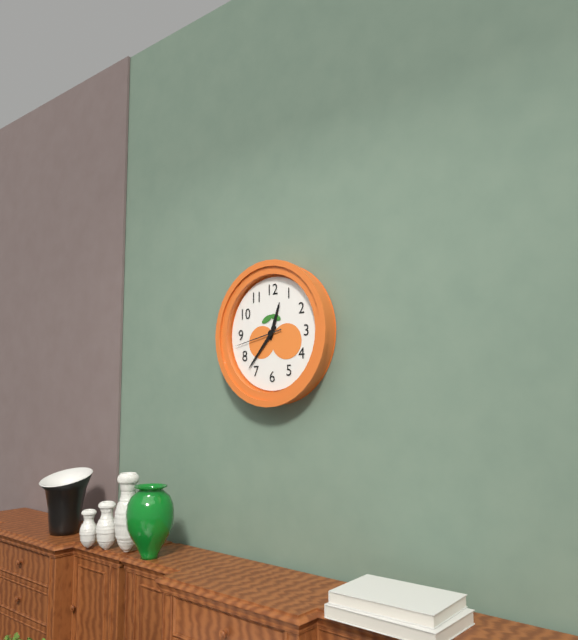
{"hour": 12, "minute": 37}
